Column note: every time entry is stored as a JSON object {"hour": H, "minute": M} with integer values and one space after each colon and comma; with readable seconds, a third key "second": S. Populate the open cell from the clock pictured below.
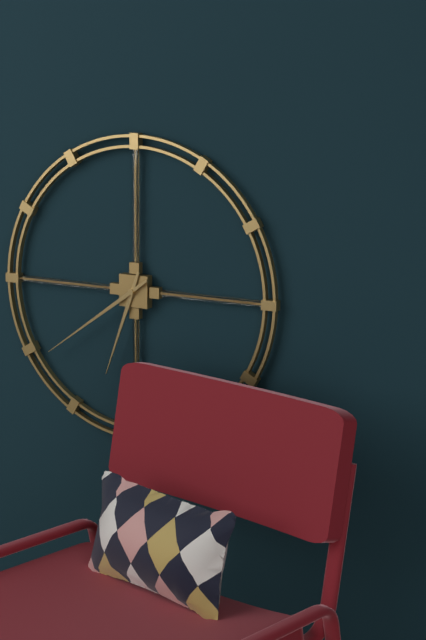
{"hour": 6, "minute": 39}
